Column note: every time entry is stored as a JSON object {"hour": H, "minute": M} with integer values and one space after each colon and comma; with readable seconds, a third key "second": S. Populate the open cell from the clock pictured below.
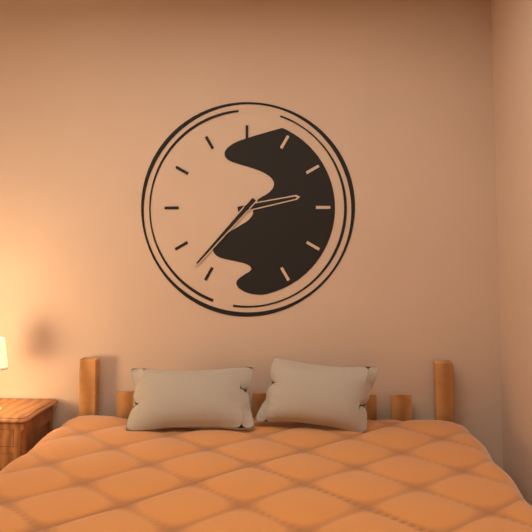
{"hour": 2, "minute": 37}
